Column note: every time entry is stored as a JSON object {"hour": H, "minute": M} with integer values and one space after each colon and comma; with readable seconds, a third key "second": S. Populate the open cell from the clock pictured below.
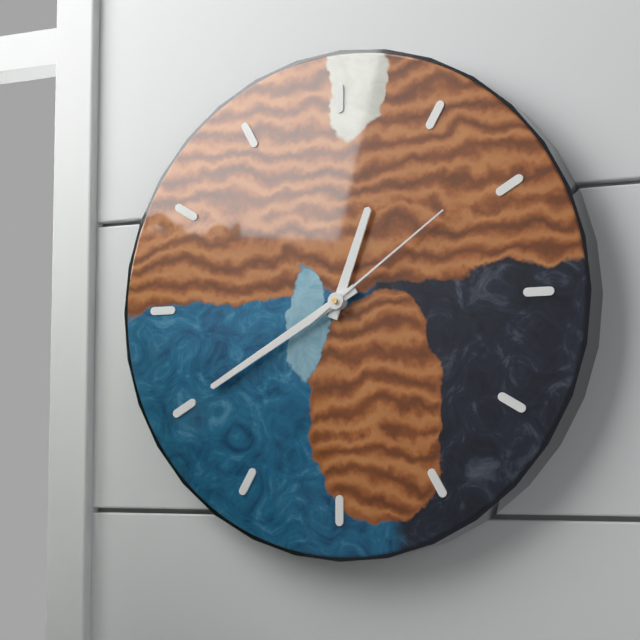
{"hour": 12, "minute": 40, "second": 9}
